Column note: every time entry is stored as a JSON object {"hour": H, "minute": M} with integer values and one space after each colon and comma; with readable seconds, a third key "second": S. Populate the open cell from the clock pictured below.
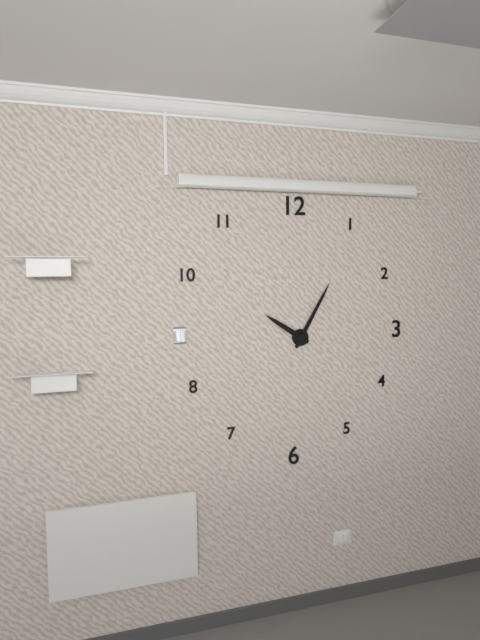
{"hour": 10, "minute": 5}
